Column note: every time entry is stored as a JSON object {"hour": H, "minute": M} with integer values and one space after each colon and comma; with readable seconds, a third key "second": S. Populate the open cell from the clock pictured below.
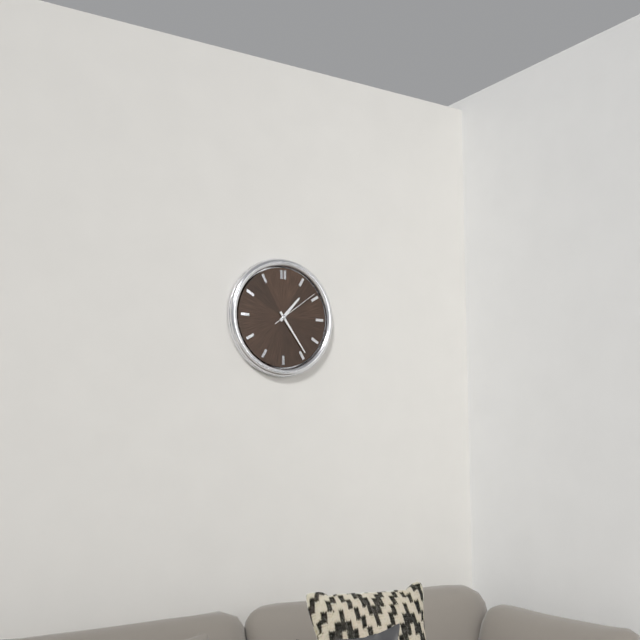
{"hour": 1, "minute": 24}
